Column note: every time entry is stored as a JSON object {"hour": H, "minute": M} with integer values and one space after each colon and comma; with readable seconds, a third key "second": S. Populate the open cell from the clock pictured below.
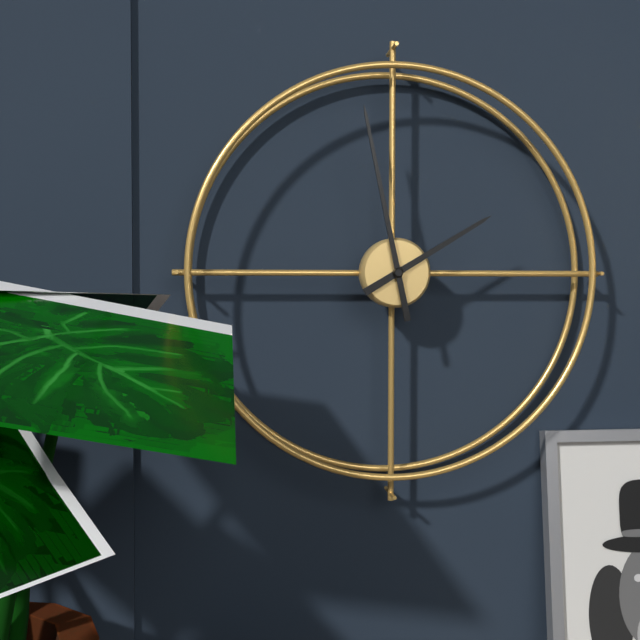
{"hour": 1, "minute": 58}
